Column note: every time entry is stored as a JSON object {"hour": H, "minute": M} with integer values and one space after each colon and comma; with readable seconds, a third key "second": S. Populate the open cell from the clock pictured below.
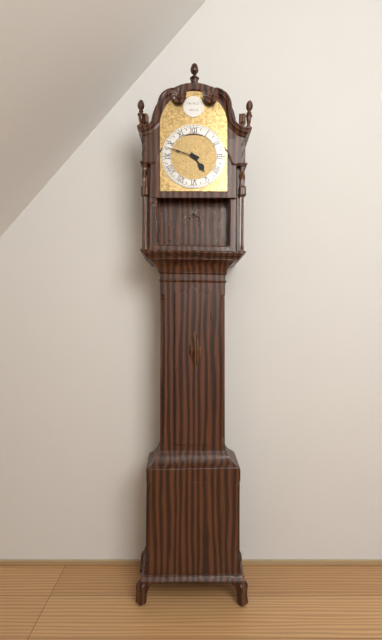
{"hour": 4, "minute": 48}
